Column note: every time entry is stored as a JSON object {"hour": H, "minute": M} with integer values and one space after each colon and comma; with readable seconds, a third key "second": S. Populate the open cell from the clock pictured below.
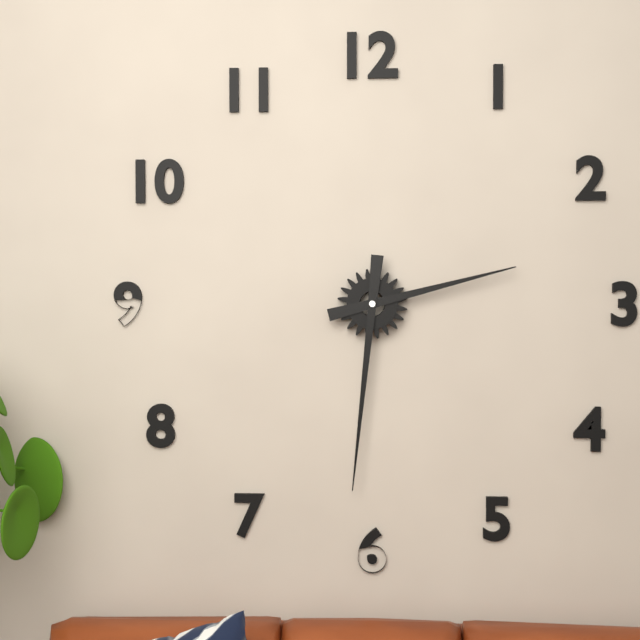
{"hour": 2, "minute": 31}
